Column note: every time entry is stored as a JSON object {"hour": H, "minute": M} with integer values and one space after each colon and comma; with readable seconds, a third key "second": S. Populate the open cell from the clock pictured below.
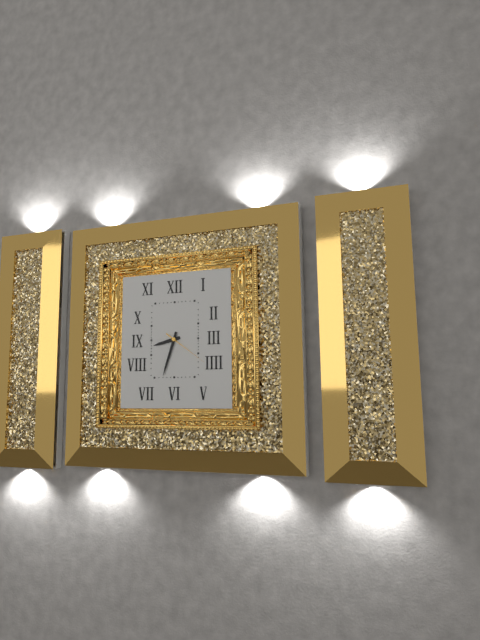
{"hour": 8, "minute": 33}
